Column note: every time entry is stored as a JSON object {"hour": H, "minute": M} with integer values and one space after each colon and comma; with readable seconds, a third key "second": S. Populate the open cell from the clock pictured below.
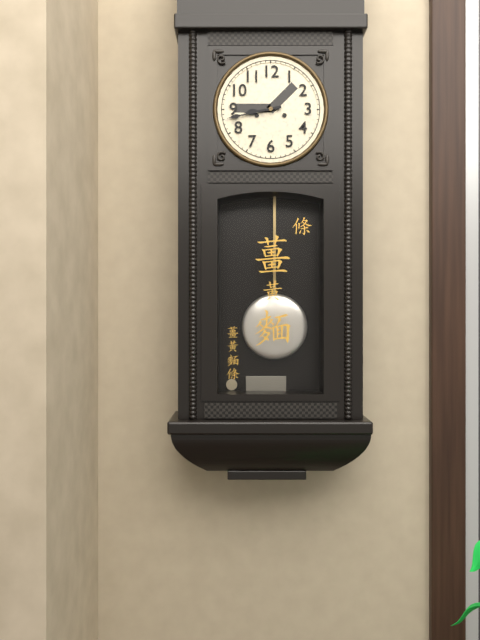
{"hour": 8, "minute": 43}
